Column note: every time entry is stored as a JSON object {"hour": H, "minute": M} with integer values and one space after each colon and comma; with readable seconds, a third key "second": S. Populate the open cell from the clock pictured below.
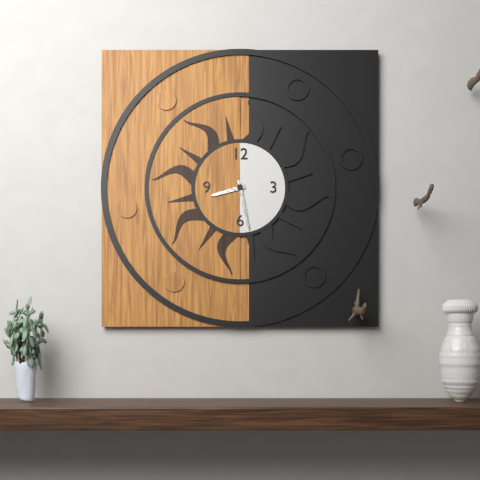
{"hour": 8, "minute": 28}
